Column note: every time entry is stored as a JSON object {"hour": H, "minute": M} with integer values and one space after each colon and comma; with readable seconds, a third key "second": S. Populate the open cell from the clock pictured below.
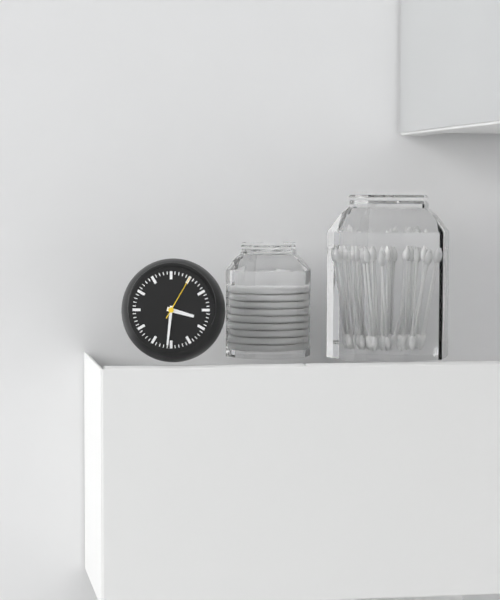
{"hour": 3, "minute": 31}
